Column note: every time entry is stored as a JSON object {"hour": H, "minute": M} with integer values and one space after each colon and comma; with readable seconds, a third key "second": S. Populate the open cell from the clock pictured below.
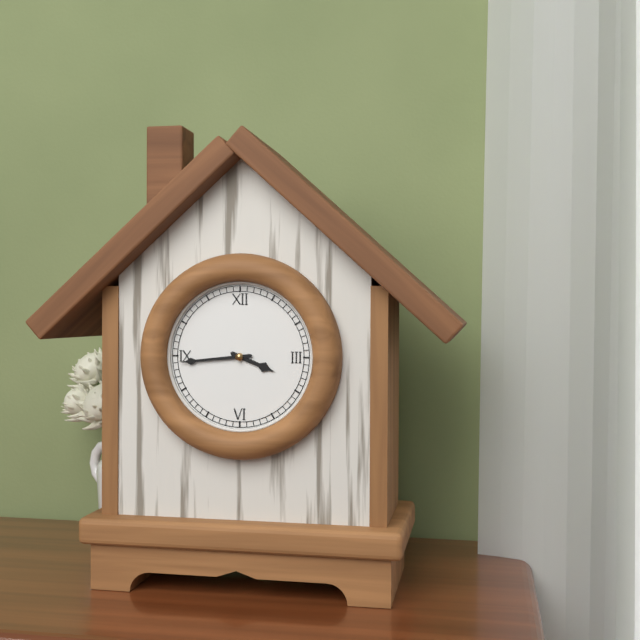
{"hour": 3, "minute": 44}
